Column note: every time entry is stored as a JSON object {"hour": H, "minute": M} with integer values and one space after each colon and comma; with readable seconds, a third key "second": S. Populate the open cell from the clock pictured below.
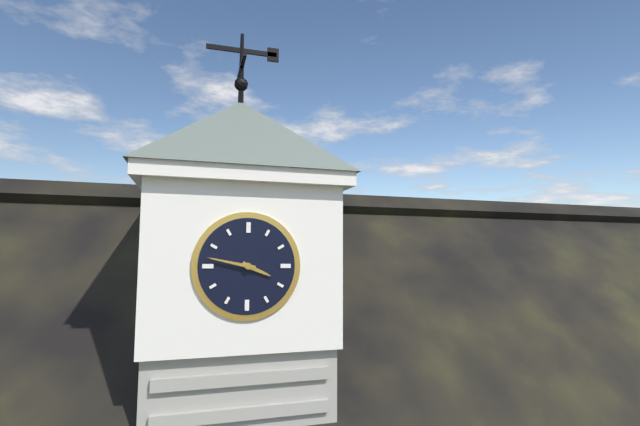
{"hour": 3, "minute": 47}
